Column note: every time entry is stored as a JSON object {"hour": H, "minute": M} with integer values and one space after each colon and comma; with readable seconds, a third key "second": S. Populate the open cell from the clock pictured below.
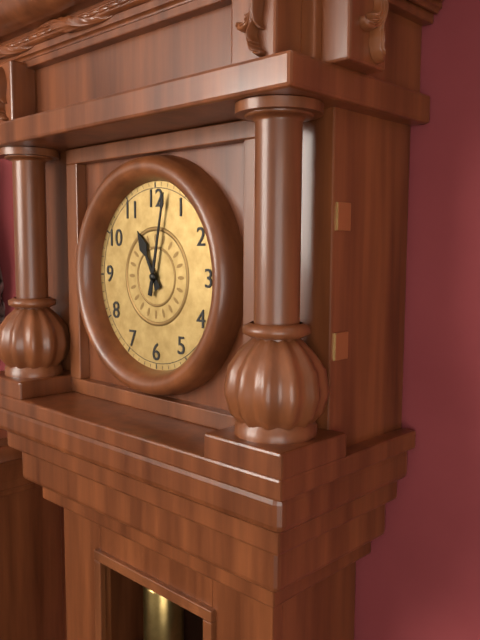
{"hour": 11, "minute": 2}
